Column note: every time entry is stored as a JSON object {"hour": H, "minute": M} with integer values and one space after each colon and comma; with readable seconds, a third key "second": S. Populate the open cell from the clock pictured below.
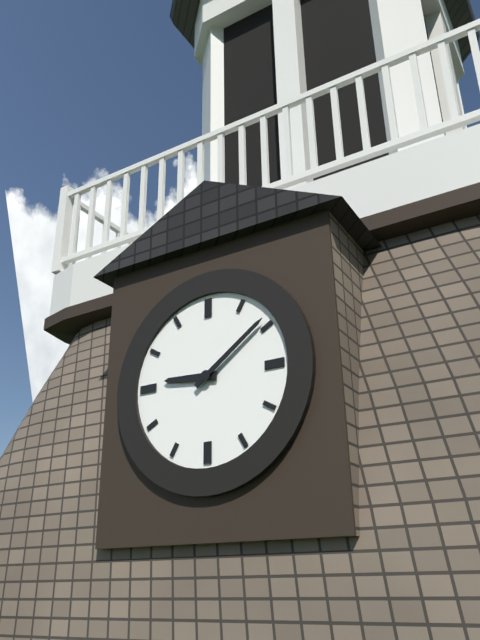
{"hour": 9, "minute": 9}
